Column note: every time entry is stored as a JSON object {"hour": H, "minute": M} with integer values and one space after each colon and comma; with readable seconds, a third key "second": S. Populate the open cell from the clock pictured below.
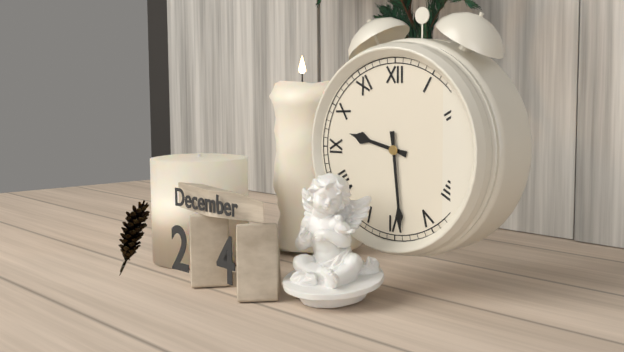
{"hour": 9, "minute": 29}
